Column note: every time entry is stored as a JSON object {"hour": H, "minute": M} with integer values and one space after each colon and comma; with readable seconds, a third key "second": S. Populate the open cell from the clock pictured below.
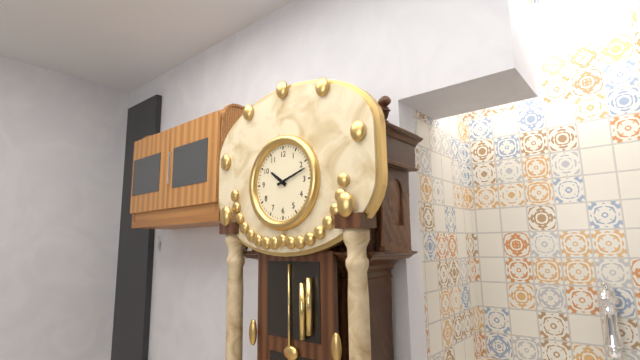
{"hour": 10, "minute": 12}
